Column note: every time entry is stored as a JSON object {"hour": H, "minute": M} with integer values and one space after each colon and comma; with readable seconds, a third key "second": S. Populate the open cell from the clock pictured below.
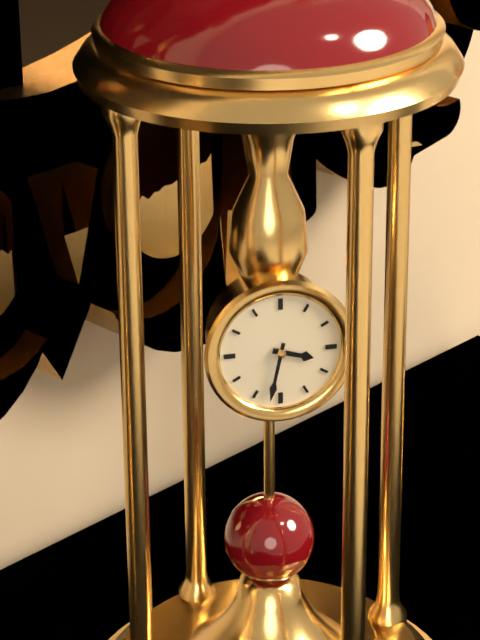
{"hour": 3, "minute": 32}
